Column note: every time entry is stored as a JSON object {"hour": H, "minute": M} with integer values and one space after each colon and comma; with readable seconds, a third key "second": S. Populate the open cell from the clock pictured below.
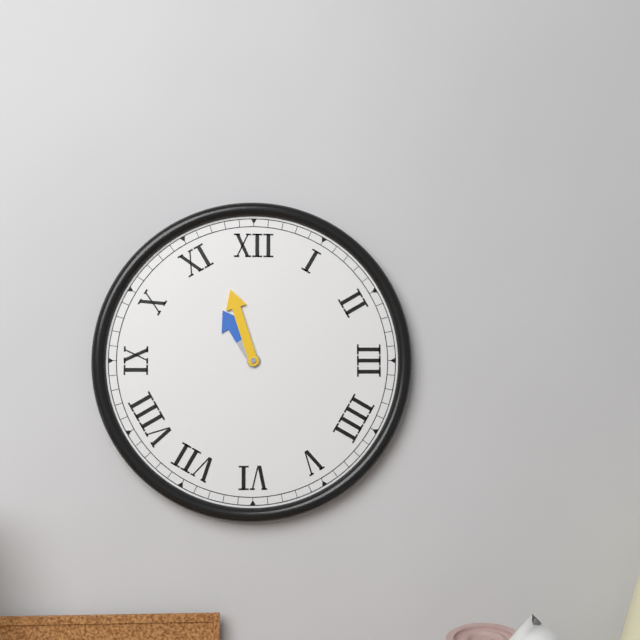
{"hour": 10, "minute": 57}
